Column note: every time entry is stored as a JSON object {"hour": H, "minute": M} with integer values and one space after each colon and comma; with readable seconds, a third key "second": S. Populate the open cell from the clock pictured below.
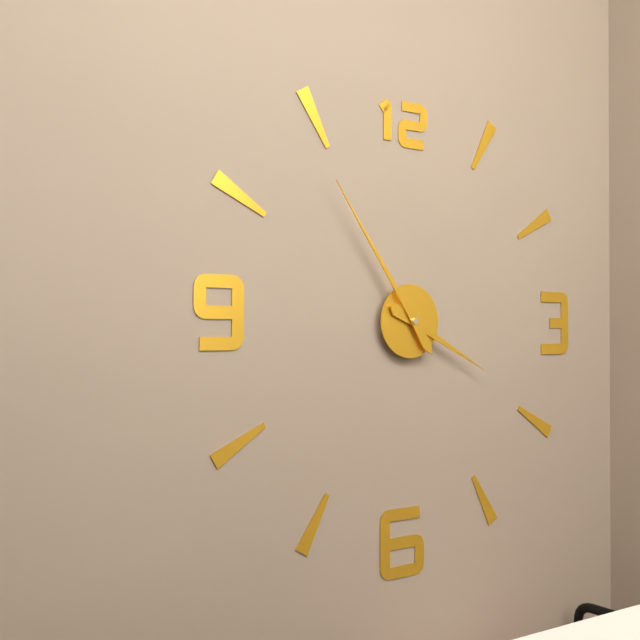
{"hour": 3, "minute": 54}
